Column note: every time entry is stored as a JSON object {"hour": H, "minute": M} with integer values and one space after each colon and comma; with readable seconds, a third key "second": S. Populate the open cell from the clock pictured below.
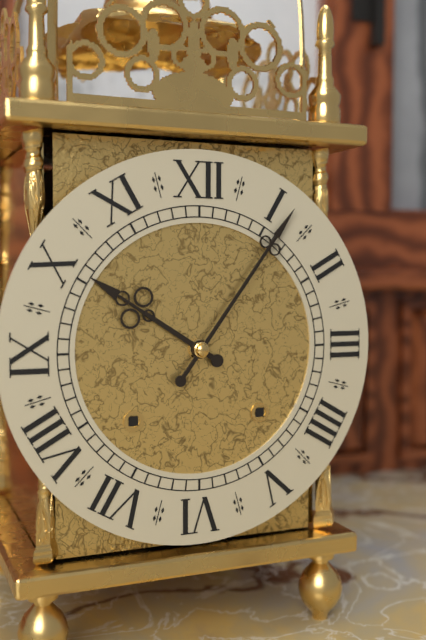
{"hour": 10, "minute": 6}
